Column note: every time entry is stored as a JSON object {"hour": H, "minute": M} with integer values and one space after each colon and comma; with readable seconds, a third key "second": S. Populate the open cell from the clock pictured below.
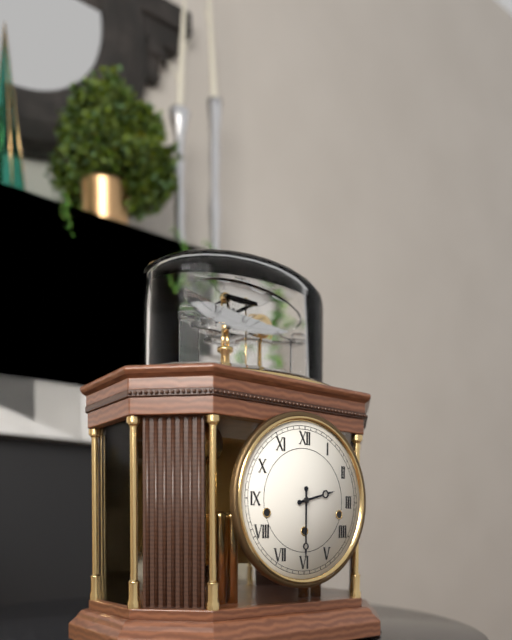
{"hour": 2, "minute": 30}
